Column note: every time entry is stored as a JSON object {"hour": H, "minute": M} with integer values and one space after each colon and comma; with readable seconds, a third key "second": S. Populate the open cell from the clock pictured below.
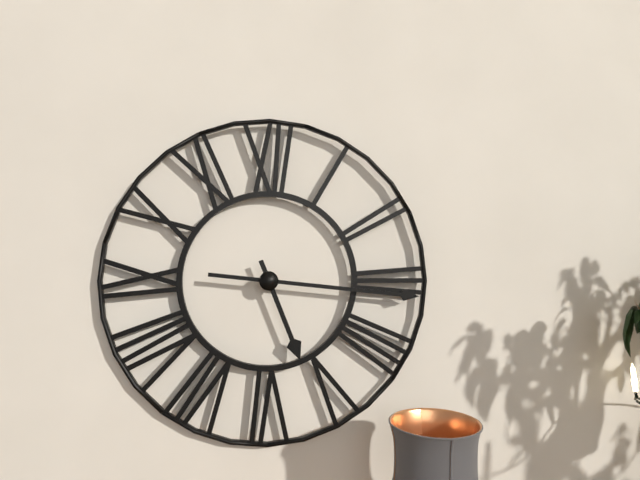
{"hour": 5, "minute": 16}
